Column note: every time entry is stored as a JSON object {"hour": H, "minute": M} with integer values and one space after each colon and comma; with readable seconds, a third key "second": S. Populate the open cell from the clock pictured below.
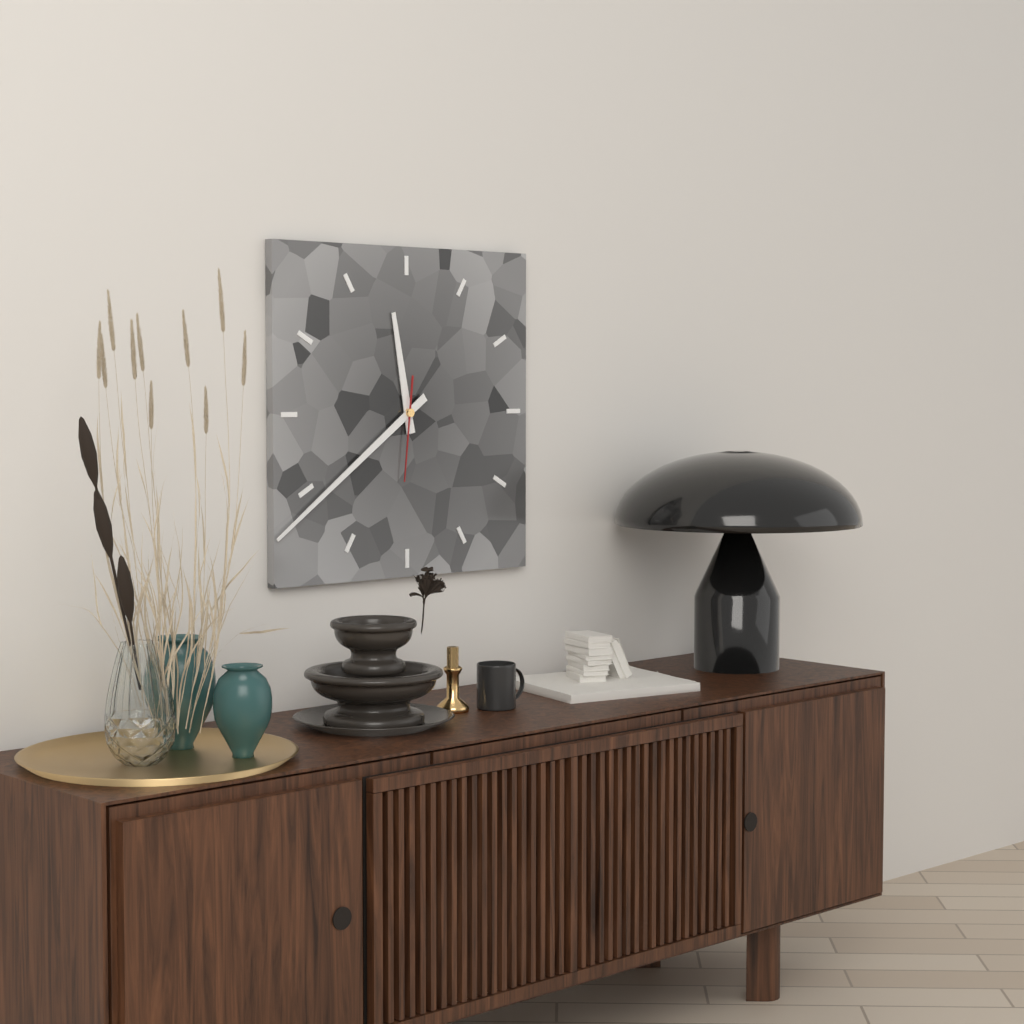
{"hour": 11, "minute": 39, "second": 31}
